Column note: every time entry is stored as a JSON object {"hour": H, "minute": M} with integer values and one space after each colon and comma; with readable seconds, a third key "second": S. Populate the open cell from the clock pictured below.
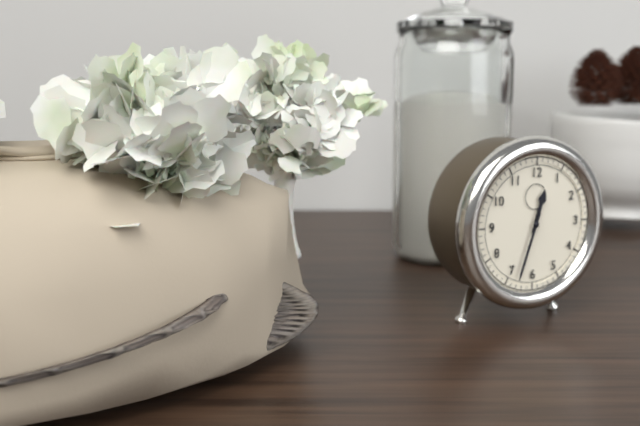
{"hour": 12, "minute": 33}
